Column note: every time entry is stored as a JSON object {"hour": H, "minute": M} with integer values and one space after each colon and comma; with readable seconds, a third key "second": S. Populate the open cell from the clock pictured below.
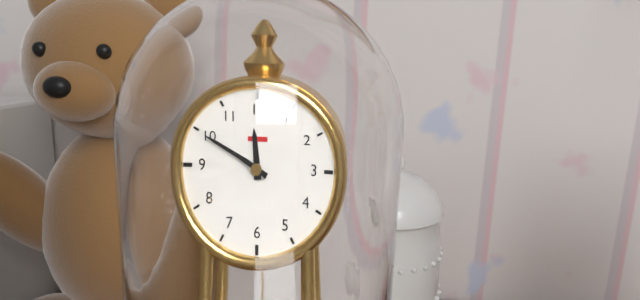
{"hour": 11, "minute": 50}
